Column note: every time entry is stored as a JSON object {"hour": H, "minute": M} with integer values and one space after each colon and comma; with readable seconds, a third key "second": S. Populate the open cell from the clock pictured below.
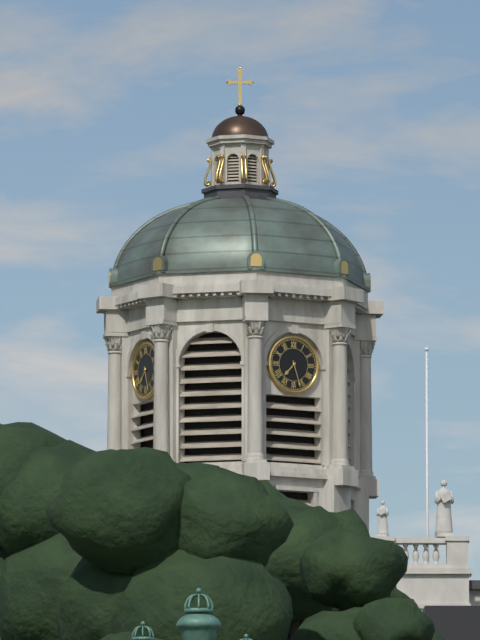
{"hour": 7, "minute": 27}
